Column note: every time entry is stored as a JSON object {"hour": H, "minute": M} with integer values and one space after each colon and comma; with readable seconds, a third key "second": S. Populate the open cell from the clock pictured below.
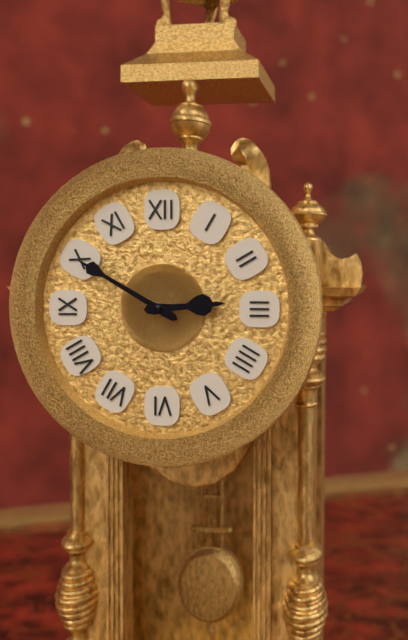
{"hour": 2, "minute": 50}
